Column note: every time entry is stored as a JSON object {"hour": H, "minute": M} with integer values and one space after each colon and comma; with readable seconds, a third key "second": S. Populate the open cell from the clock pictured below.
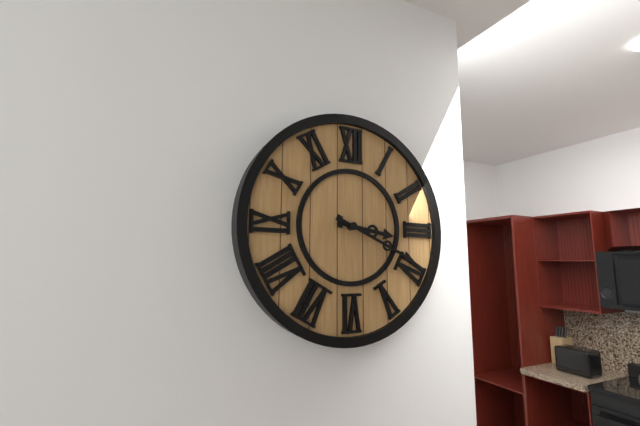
{"hour": 3, "minute": 19}
